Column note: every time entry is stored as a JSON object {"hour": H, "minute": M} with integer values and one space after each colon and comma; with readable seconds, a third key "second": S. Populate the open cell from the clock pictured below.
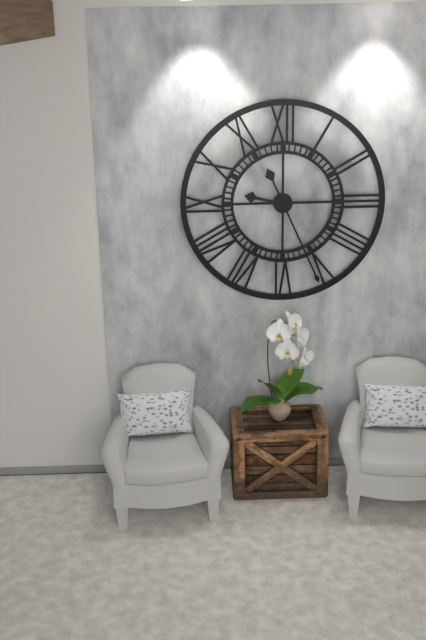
{"hour": 9, "minute": 26}
